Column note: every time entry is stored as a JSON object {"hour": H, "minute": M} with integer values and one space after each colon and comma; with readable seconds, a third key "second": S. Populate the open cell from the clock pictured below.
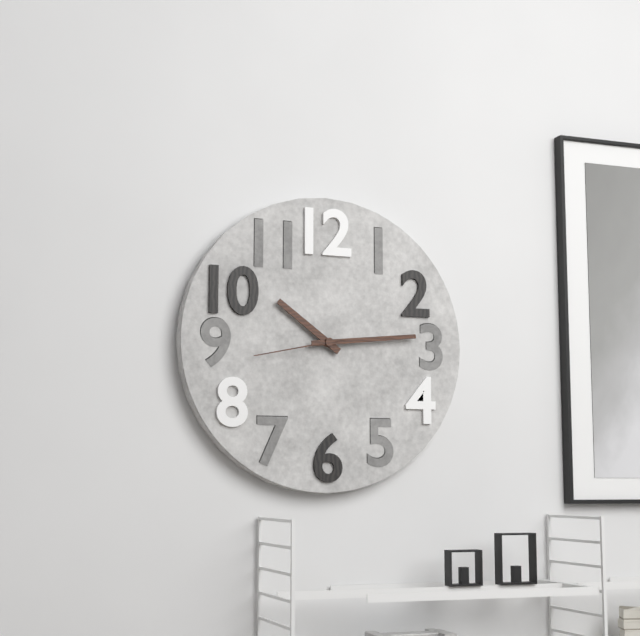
{"hour": 10, "minute": 14, "second": 43}
